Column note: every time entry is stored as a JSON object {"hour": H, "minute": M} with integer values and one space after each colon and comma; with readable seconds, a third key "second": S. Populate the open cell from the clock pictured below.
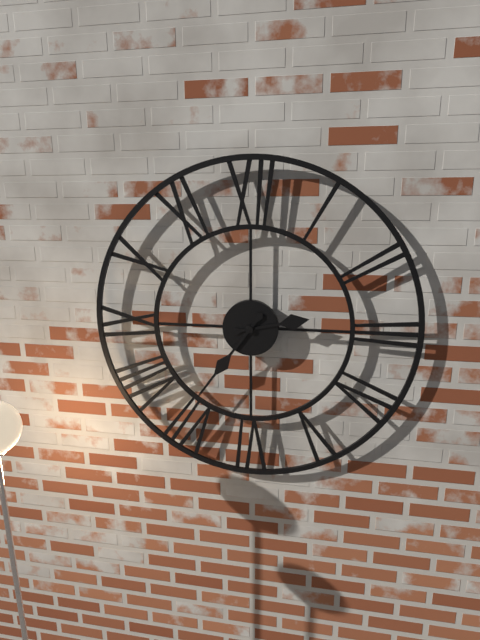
{"hour": 2, "minute": 36}
